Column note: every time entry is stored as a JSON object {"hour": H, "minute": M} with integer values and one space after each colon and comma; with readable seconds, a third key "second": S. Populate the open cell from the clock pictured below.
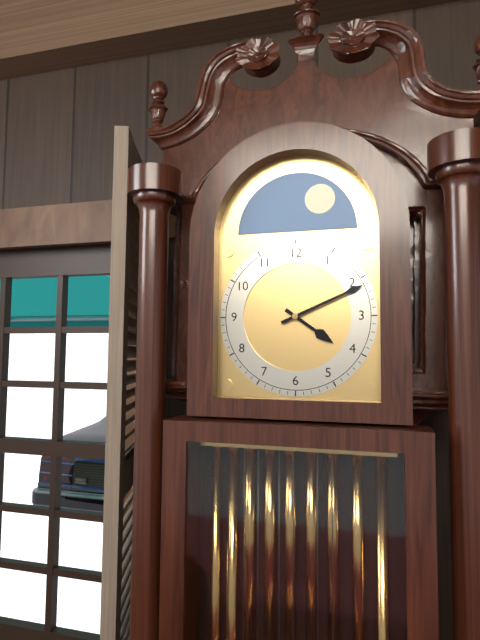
{"hour": 4, "minute": 11}
